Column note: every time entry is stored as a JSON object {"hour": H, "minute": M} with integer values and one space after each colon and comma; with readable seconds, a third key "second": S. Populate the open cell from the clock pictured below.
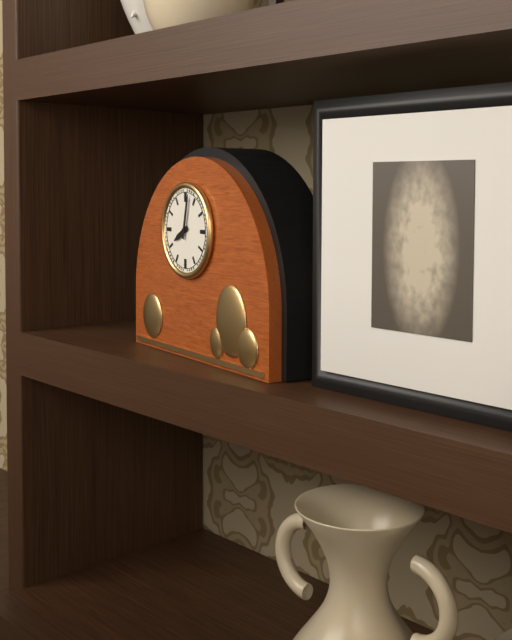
{"hour": 8, "minute": 2}
